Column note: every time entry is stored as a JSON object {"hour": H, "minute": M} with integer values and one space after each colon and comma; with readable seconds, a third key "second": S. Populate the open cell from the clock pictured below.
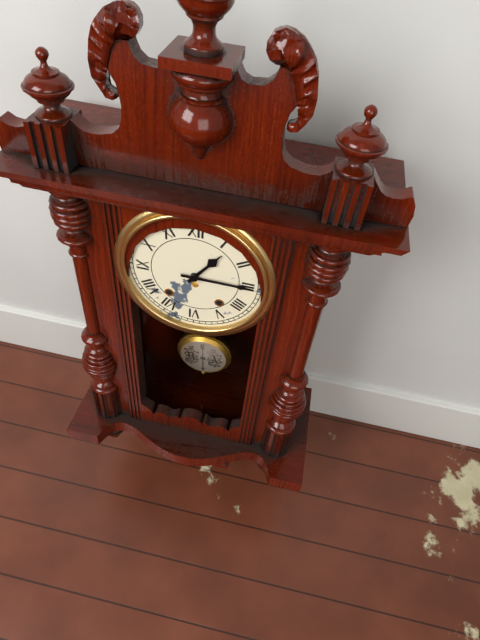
{"hour": 1, "minute": 15}
